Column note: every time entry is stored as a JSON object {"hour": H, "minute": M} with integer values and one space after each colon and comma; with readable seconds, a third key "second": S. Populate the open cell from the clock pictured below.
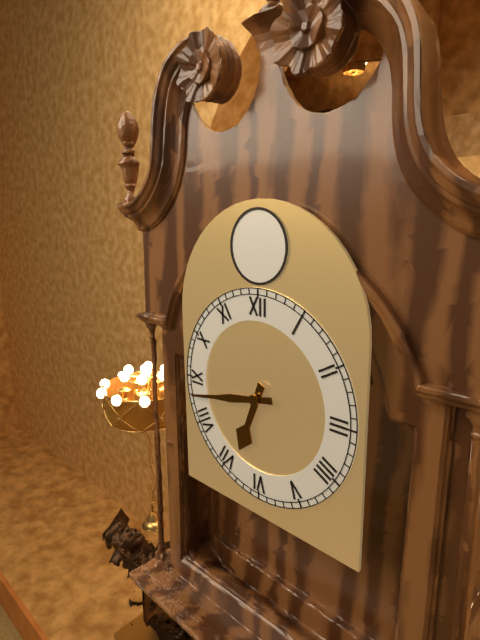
{"hour": 6, "minute": 43}
